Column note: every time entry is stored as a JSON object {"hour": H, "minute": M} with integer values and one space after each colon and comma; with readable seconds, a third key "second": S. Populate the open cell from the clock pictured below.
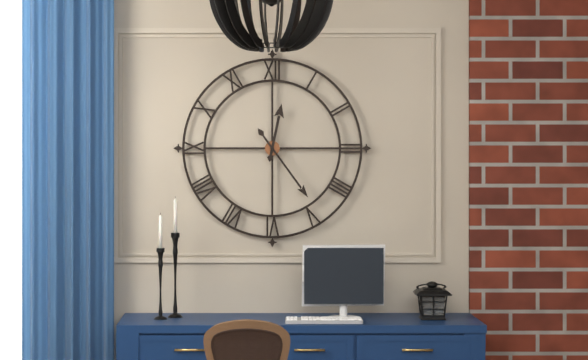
{"hour": 12, "minute": 24}
